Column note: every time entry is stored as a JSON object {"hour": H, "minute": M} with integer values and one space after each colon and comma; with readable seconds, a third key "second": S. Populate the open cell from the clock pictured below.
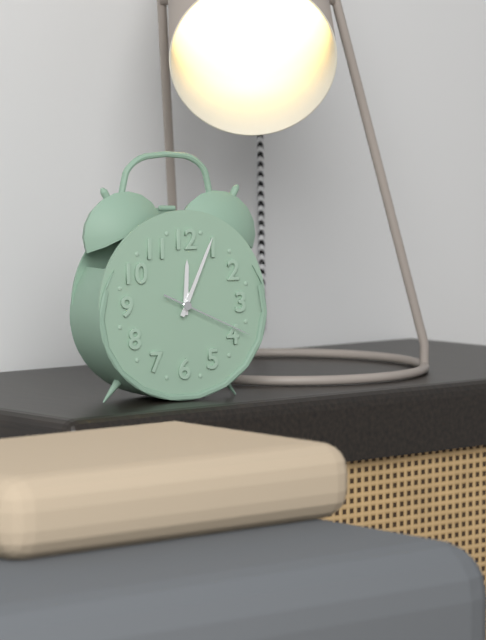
{"hour": 12, "minute": 4, "second": 19}
